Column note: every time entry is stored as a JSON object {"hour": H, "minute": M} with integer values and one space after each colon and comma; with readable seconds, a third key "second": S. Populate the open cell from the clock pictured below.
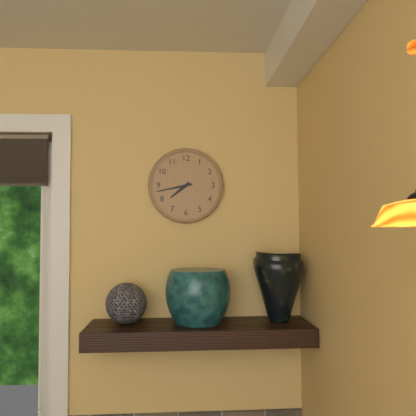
{"hour": 7, "minute": 43}
